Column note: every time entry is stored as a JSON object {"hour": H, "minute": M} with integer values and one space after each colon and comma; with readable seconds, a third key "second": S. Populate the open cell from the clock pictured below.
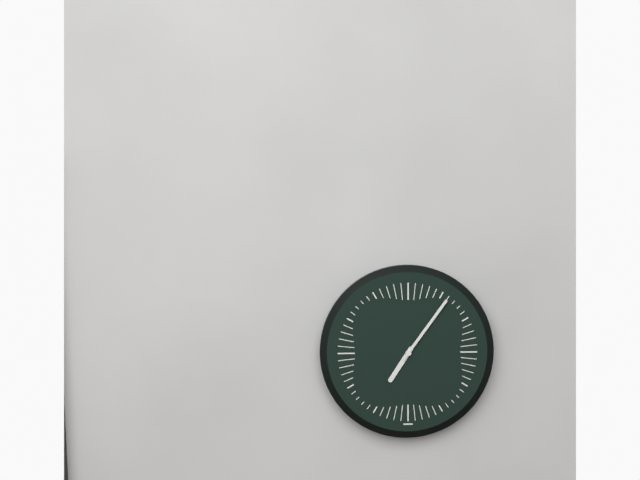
{"hour": 7, "minute": 6}
